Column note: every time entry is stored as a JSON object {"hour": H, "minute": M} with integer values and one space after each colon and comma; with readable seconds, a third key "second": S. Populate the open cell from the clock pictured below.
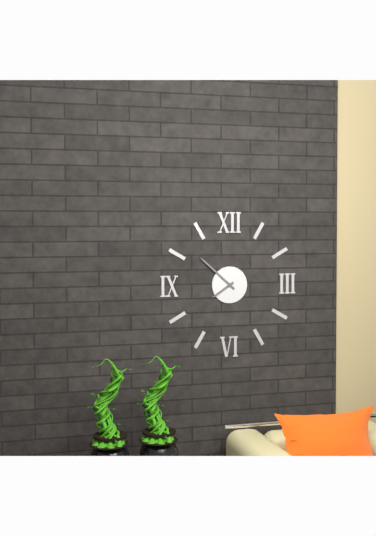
{"hour": 7, "minute": 52}
